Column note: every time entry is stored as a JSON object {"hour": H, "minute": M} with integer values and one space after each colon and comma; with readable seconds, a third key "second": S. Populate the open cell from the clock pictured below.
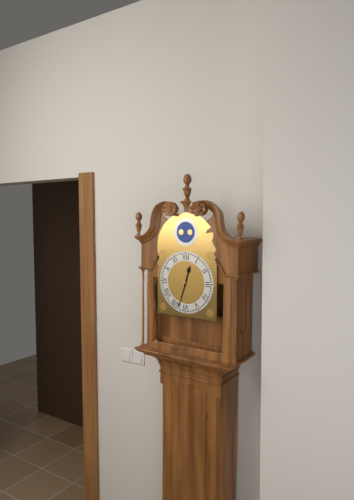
{"hour": 12, "minute": 33}
